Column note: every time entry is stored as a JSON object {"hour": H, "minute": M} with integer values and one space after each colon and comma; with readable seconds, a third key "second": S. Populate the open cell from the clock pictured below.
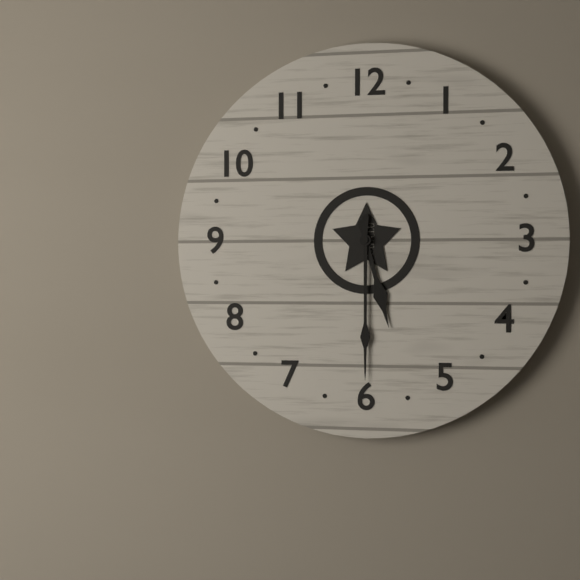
{"hour": 5, "minute": 30}
